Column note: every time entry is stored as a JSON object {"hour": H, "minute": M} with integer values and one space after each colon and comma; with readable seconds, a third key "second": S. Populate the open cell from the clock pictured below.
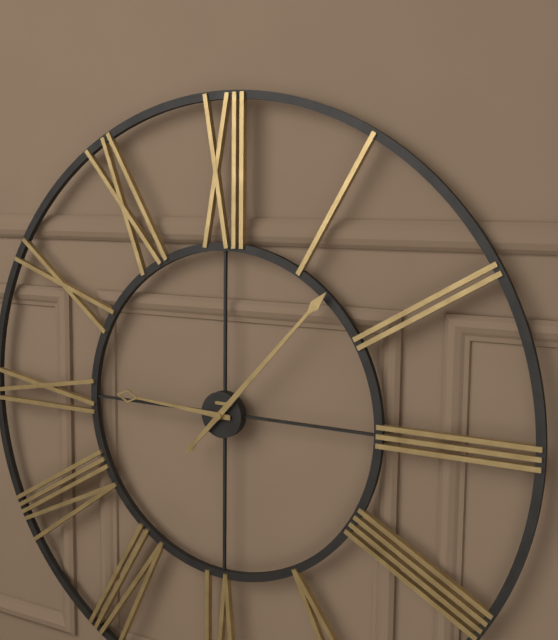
{"hour": 9, "minute": 7}
